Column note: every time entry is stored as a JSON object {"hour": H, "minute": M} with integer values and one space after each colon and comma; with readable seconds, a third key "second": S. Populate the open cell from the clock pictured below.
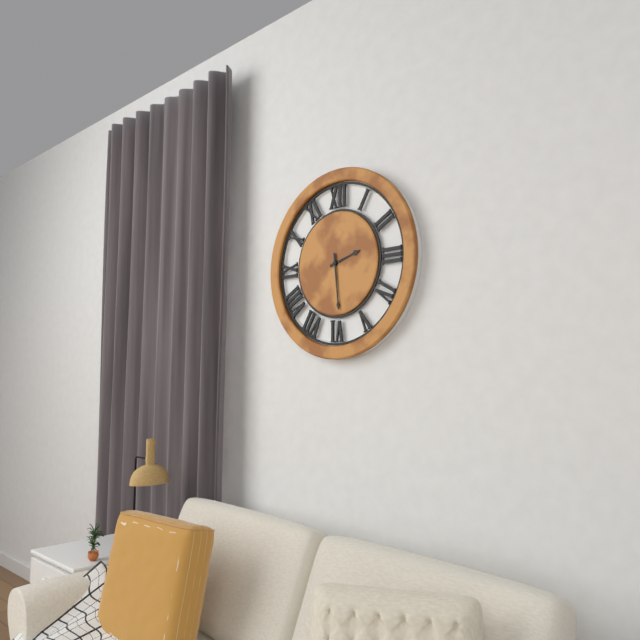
{"hour": 2, "minute": 29}
